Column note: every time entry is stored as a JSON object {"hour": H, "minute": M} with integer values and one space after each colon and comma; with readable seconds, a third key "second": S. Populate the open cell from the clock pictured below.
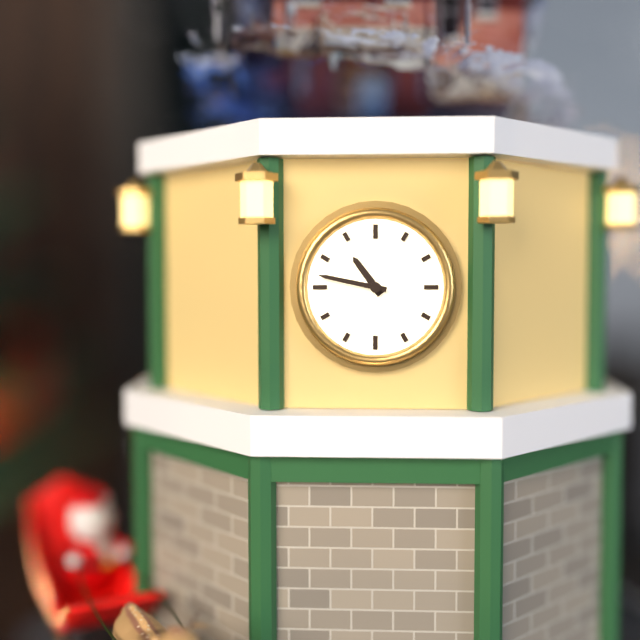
{"hour": 10, "minute": 47}
